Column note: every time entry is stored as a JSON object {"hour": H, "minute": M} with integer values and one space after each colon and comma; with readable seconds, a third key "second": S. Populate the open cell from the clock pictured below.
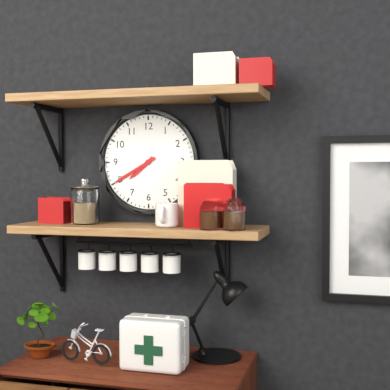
{"hour": 7, "minute": 40}
